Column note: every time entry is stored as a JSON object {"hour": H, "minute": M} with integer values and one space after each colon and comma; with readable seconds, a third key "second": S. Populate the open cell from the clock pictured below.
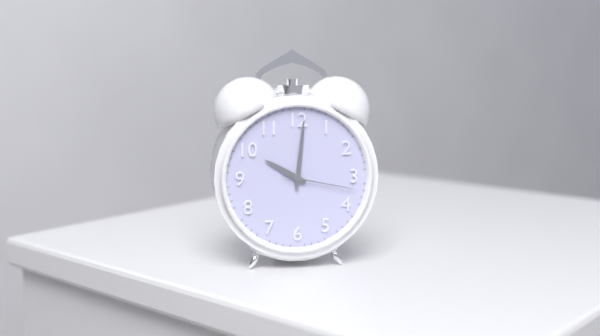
{"hour": 10, "minute": 1, "second": 17}
